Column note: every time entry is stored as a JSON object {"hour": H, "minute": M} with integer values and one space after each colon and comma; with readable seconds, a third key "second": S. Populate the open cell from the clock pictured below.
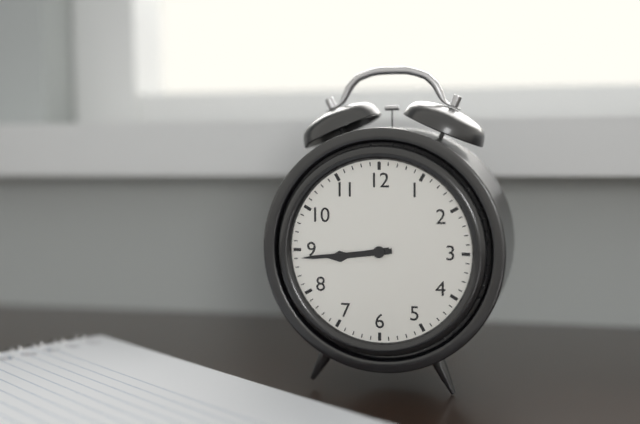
{"hour": 8, "minute": 44}
